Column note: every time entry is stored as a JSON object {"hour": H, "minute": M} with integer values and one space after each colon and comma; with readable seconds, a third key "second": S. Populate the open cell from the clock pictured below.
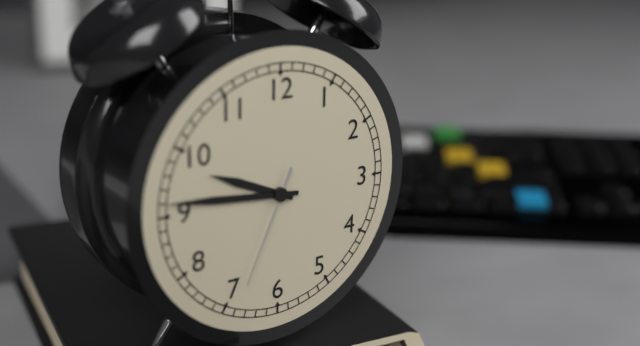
{"hour": 9, "minute": 46, "second": 34}
